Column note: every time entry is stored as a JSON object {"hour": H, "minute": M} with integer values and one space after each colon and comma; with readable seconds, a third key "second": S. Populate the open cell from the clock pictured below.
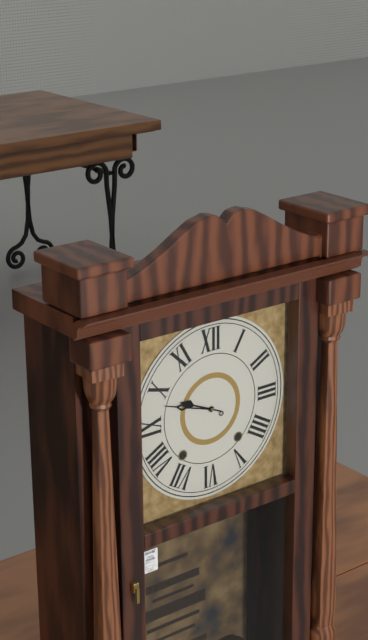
{"hour": 9, "minute": 48}
